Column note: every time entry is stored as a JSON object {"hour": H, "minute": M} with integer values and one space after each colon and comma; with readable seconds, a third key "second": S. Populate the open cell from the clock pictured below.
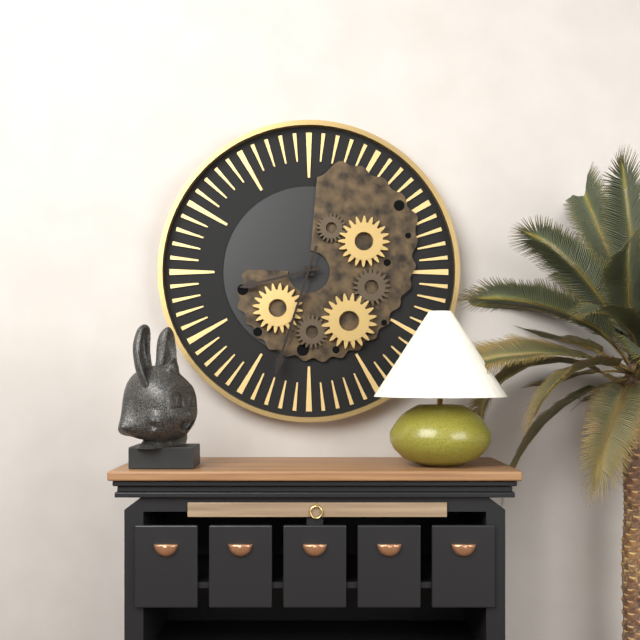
{"hour": 8, "minute": 33}
